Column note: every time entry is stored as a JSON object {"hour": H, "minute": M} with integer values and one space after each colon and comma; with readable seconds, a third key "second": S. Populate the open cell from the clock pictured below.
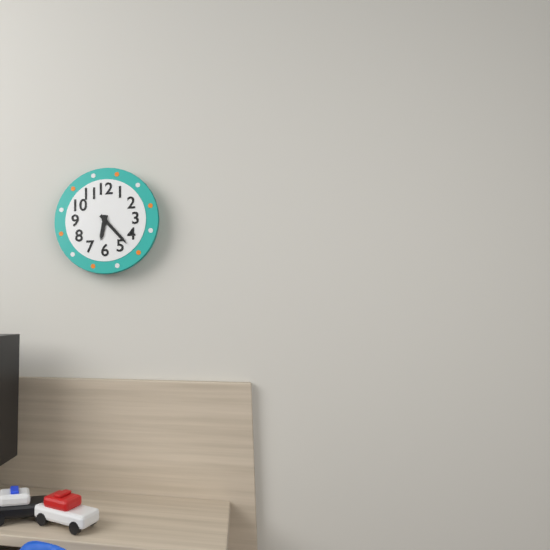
{"hour": 6, "minute": 23}
